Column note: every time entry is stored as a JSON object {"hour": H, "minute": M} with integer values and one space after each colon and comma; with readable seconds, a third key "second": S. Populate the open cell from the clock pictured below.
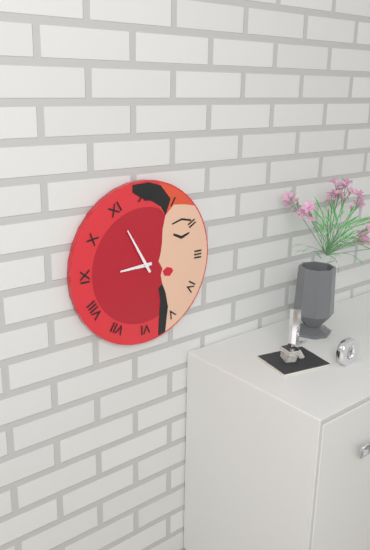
{"hour": 8, "minute": 55}
